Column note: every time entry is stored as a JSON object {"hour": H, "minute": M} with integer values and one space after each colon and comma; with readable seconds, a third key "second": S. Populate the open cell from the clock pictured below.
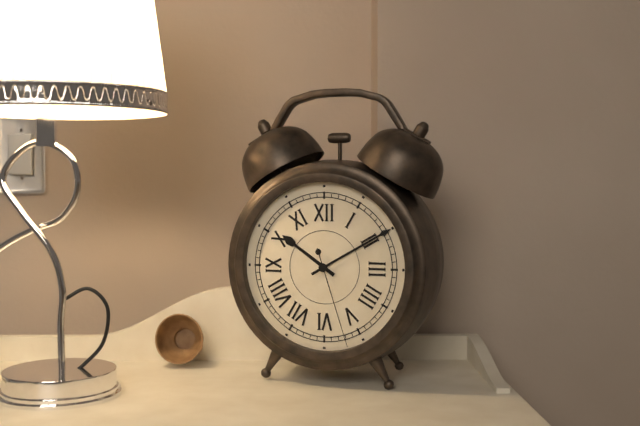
{"hour": 10, "minute": 10, "second": 27}
